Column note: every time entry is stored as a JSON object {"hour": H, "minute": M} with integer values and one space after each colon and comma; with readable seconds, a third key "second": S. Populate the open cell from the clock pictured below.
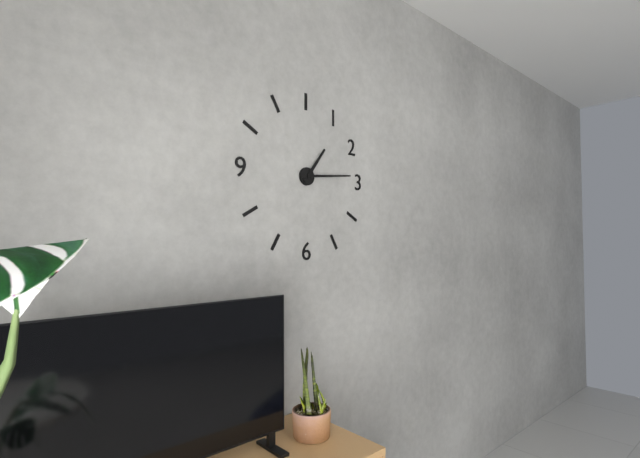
{"hour": 1, "minute": 14}
